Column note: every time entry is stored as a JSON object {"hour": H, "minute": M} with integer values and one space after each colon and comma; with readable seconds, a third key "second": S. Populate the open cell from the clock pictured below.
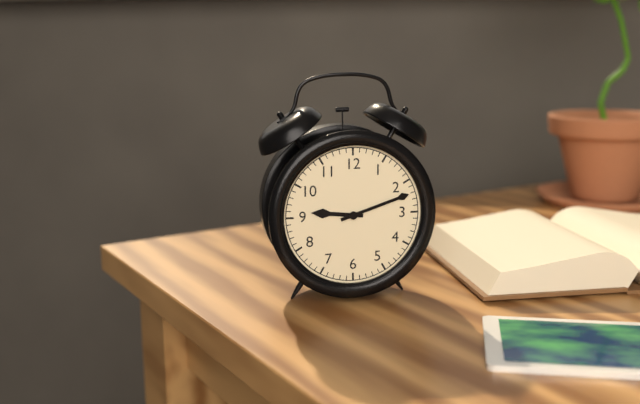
{"hour": 9, "minute": 12}
